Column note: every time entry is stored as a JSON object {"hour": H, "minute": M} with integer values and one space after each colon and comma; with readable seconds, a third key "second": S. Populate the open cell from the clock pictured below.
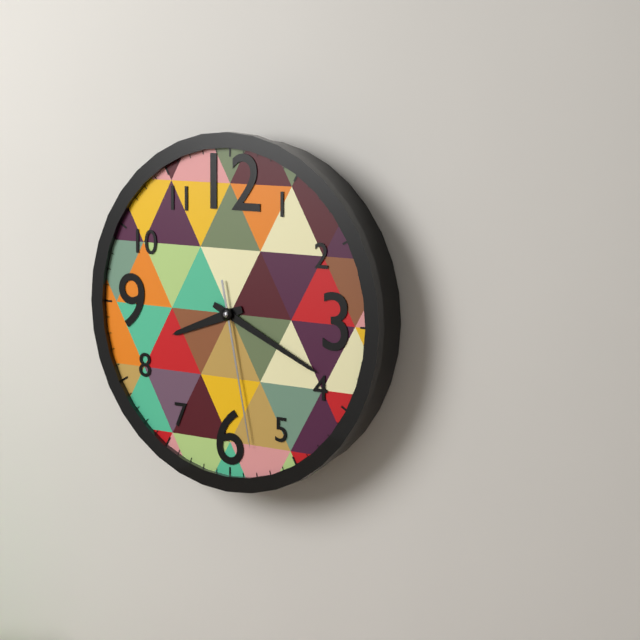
{"hour": 8, "minute": 19, "second": 28}
